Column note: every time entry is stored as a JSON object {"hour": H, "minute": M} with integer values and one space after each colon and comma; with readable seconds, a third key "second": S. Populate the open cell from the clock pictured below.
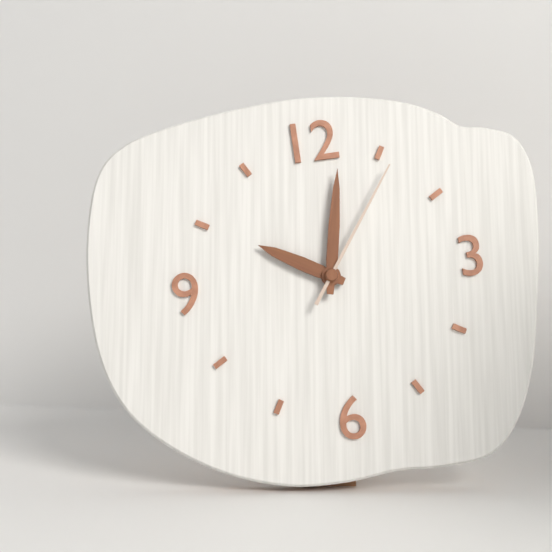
{"hour": 10, "minute": 2, "second": 6}
